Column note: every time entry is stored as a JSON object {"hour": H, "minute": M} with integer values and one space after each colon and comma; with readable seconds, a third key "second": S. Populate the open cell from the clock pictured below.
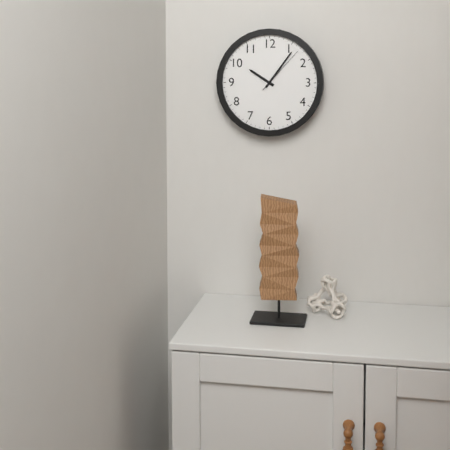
{"hour": 10, "minute": 6, "second": 7}
